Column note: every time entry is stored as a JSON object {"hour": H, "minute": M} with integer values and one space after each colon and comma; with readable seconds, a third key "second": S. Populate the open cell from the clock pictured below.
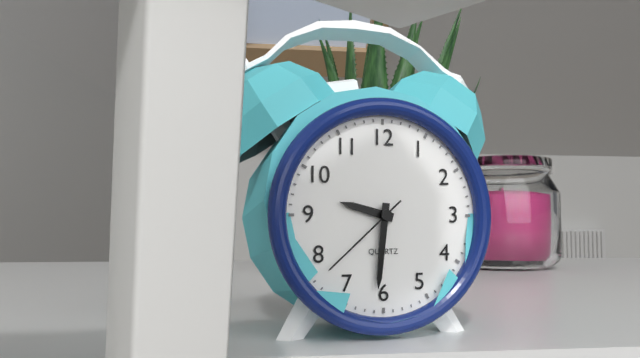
{"hour": 9, "minute": 31, "second": 38}
